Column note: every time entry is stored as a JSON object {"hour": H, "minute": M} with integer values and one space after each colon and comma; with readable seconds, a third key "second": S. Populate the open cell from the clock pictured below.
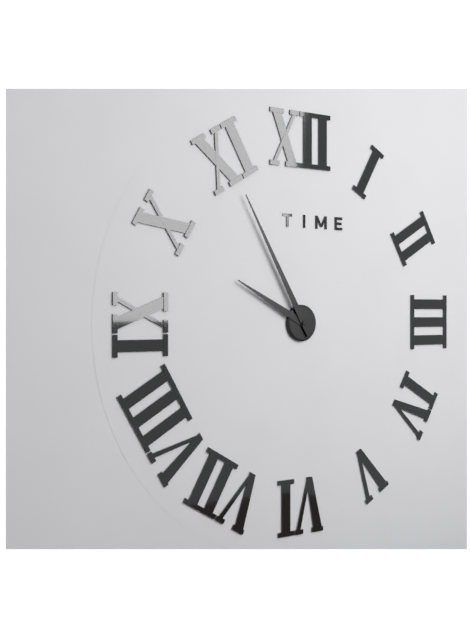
{"hour": 9, "minute": 55}
